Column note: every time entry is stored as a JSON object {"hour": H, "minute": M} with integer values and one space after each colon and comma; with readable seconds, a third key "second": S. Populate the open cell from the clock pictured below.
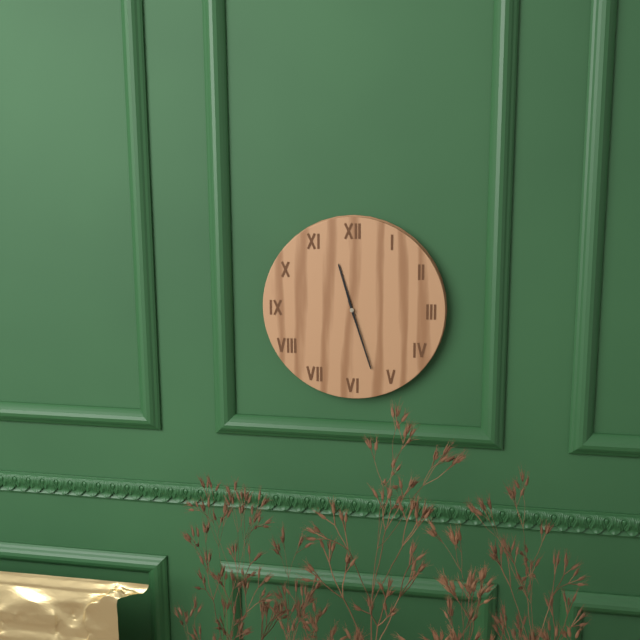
{"hour": 11, "minute": 27}
